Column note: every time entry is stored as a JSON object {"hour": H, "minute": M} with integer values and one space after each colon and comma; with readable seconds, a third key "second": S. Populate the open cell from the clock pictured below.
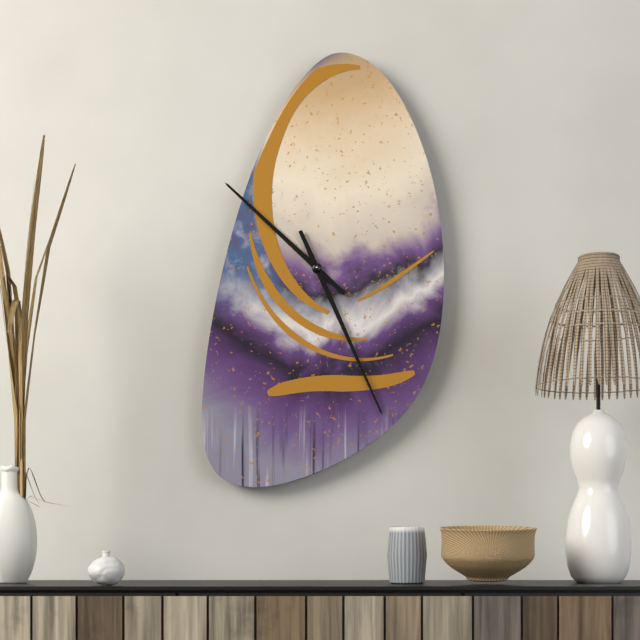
{"hour": 10, "minute": 26}
